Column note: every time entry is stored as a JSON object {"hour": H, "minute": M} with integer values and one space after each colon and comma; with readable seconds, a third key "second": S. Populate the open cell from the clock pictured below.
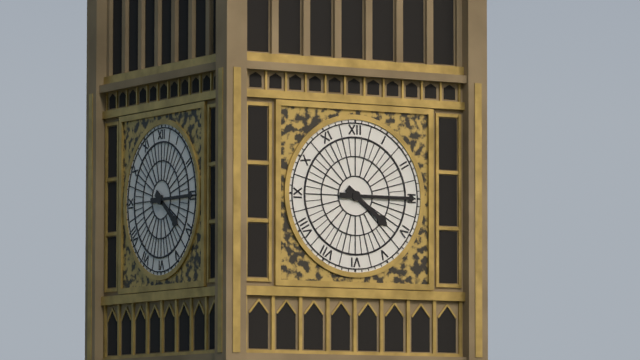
{"hour": 4, "minute": 15}
